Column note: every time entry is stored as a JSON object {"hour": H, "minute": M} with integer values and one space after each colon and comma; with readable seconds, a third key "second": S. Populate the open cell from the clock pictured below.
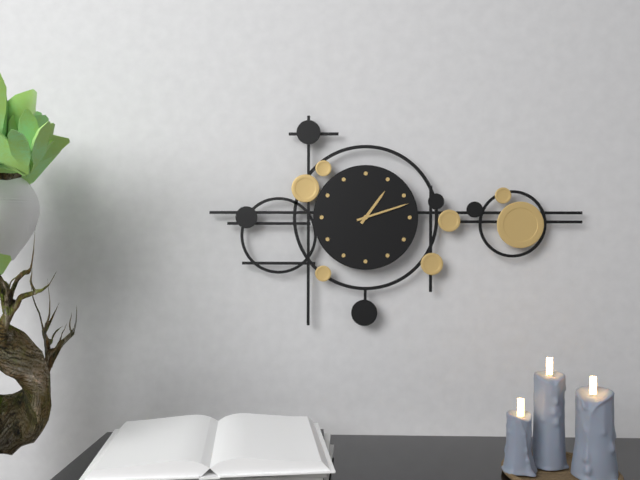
{"hour": 1, "minute": 12}
